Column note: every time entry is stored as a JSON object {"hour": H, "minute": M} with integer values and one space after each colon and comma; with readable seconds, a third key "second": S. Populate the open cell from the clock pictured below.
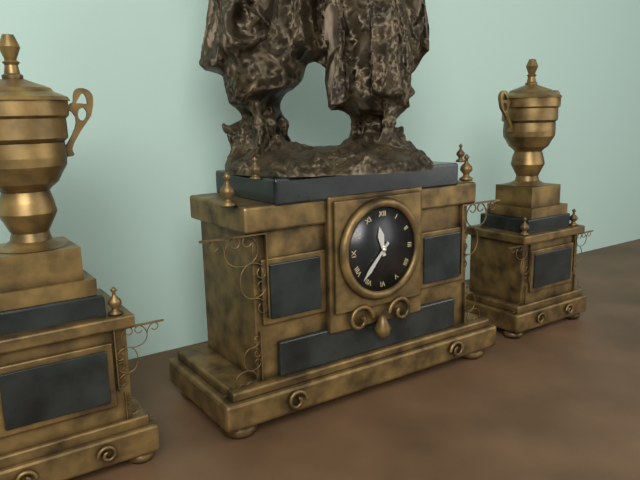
{"hour": 11, "minute": 37}
